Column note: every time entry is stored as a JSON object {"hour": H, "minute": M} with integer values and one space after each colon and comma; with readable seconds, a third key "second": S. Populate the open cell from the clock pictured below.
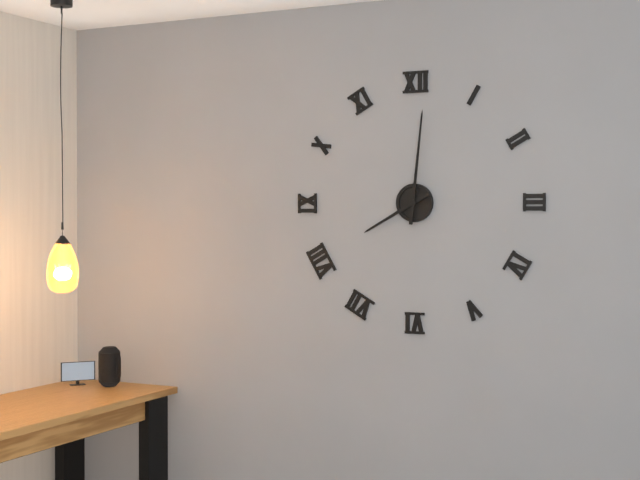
{"hour": 8, "minute": 1}
